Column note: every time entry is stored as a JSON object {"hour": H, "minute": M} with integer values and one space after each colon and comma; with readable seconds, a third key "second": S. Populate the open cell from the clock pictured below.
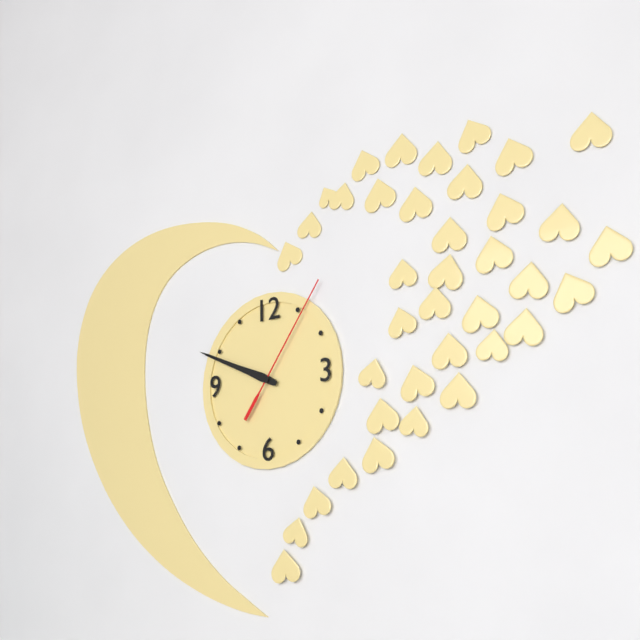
{"hour": 9, "minute": 49, "second": 6}
